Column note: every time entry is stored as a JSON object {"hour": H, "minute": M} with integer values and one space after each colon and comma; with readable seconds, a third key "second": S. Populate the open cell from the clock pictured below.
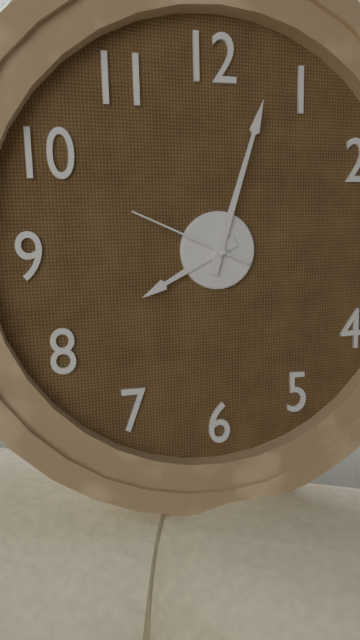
{"hour": 8, "minute": 3, "second": 49}
